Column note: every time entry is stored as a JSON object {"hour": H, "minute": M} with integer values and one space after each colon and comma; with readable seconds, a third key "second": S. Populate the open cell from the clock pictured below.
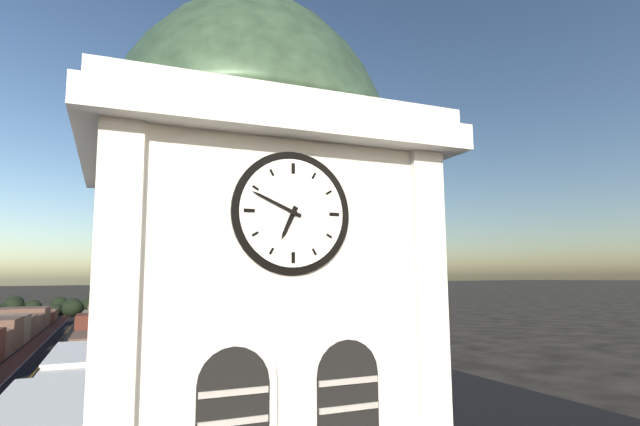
{"hour": 6, "minute": 49}
